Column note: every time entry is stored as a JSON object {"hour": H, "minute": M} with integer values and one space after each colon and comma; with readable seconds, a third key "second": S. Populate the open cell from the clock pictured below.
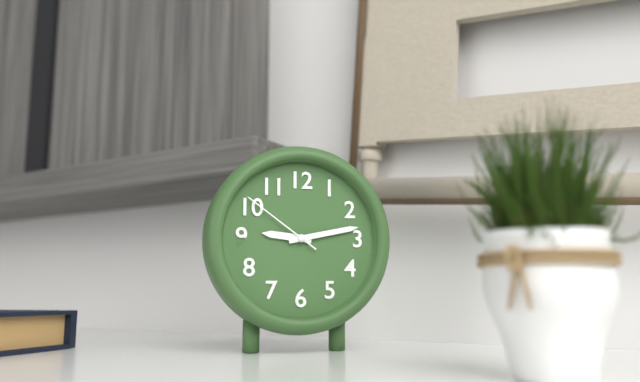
{"hour": 9, "minute": 13, "second": 51}
